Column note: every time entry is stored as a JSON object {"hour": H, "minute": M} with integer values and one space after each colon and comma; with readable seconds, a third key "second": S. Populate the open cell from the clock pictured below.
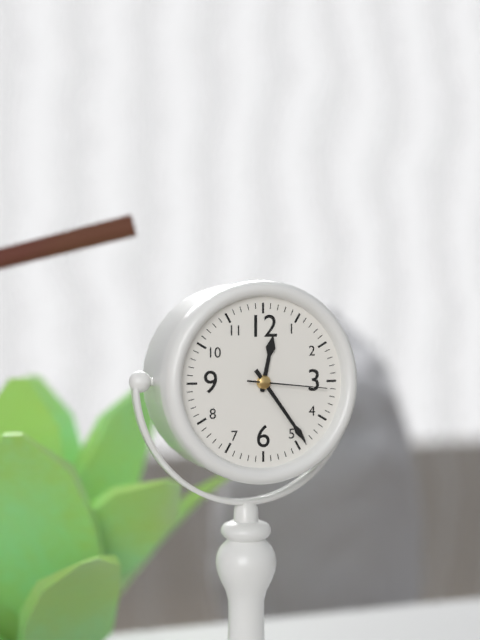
{"hour": 12, "minute": 24, "second": 16}
